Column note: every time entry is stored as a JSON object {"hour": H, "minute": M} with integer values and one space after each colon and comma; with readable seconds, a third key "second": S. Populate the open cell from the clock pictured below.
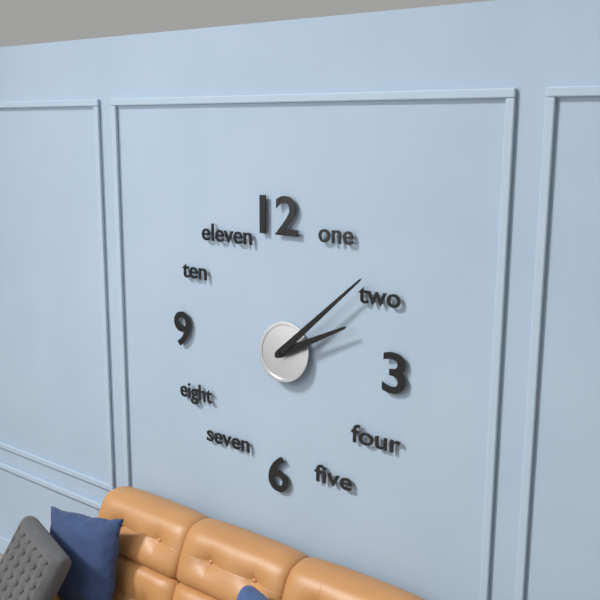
{"hour": 2, "minute": 8}
